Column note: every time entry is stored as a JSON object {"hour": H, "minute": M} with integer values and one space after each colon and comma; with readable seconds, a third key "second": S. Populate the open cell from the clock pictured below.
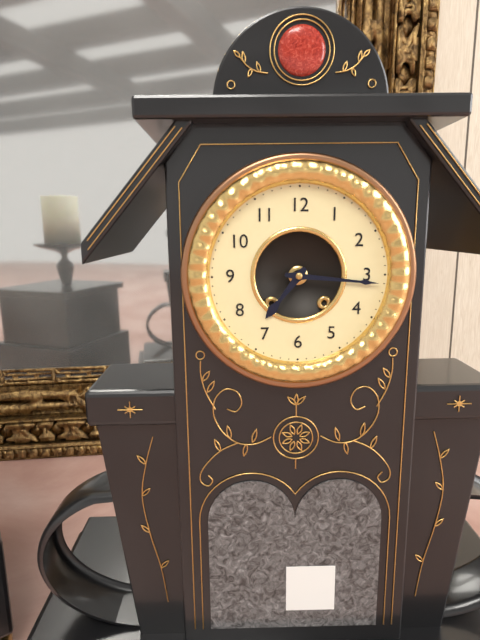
{"hour": 7, "minute": 16}
